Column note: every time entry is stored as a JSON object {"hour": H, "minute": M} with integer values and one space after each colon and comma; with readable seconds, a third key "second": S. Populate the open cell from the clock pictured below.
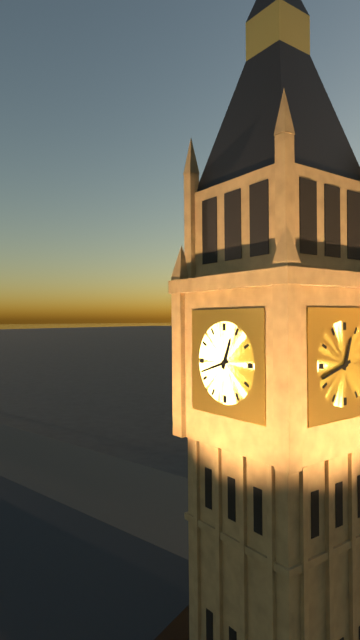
{"hour": 12, "minute": 42}
